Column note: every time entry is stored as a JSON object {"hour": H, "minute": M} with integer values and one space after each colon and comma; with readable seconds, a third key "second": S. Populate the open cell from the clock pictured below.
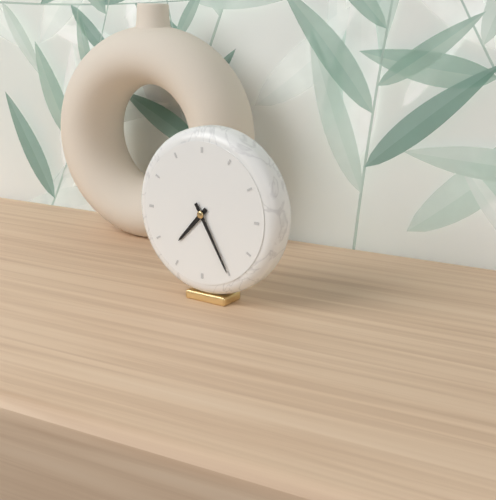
{"hour": 7, "minute": 25}
